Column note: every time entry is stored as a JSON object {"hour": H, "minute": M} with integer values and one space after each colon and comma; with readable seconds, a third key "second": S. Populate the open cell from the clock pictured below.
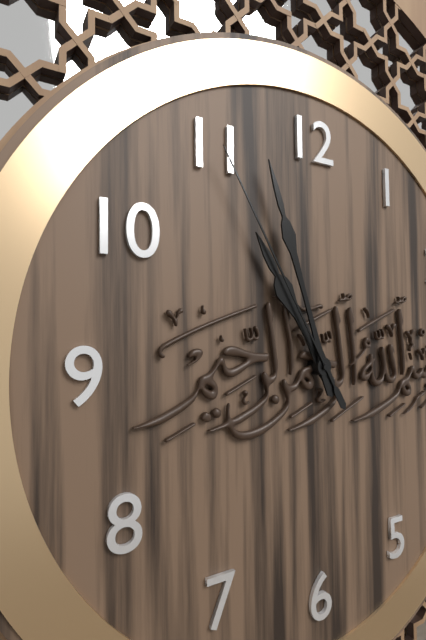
{"hour": 10, "minute": 57, "second": 55}
